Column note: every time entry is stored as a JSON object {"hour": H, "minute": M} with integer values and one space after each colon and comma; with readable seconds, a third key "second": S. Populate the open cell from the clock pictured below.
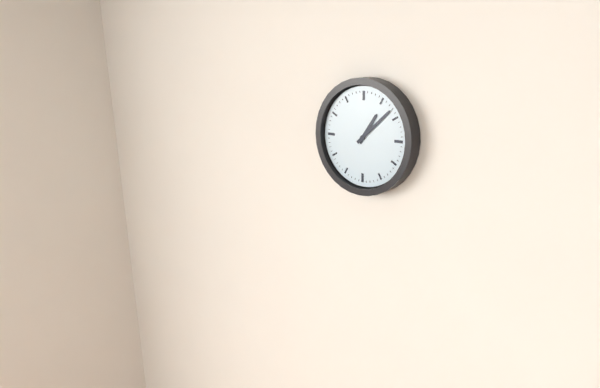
{"hour": 1, "minute": 8}
